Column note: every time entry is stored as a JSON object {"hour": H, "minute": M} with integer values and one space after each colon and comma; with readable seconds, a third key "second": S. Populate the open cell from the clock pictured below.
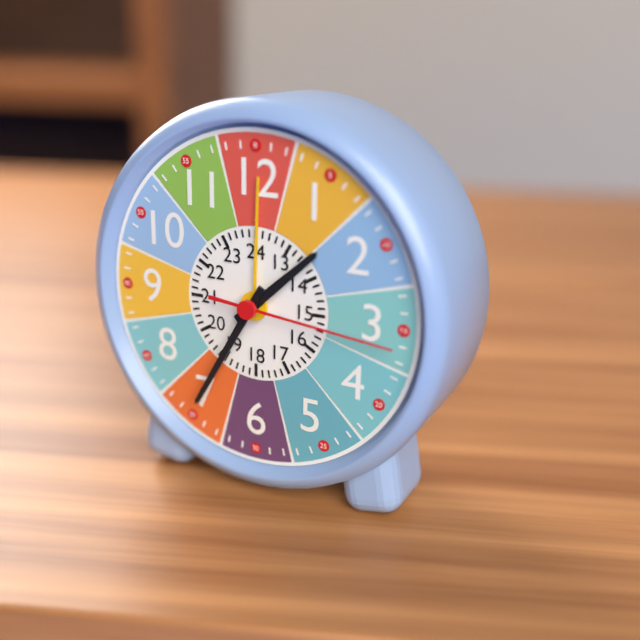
{"hour": 1, "minute": 35, "second": 16}
